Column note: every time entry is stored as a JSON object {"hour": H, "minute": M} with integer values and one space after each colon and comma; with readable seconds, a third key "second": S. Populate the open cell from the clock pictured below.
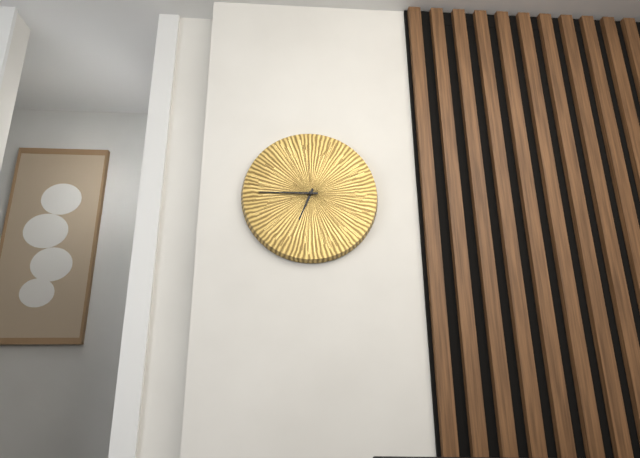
{"hour": 6, "minute": 45}
